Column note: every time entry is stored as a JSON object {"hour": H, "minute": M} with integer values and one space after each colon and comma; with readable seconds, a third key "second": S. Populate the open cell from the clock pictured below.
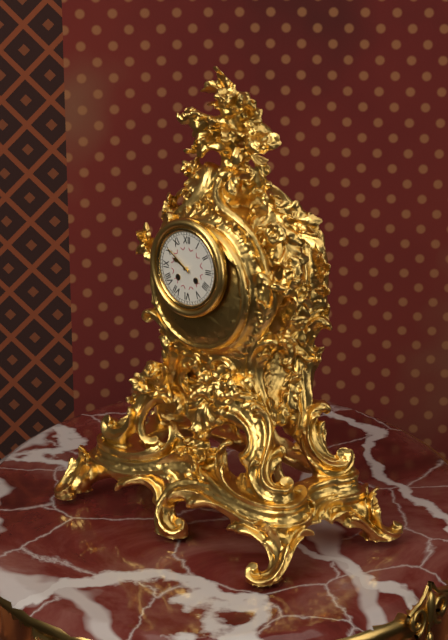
{"hour": 9, "minute": 51}
